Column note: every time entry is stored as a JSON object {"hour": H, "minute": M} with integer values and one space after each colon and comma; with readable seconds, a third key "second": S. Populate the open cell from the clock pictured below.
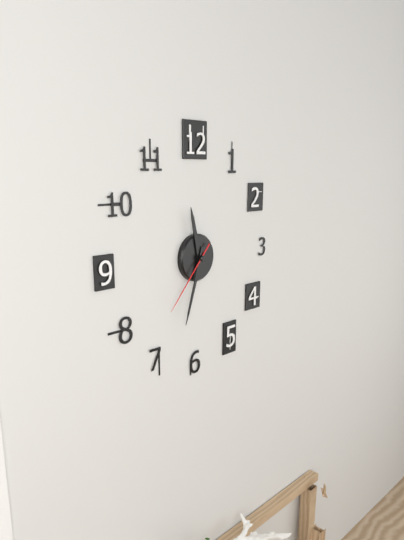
{"hour": 11, "minute": 33, "second": 37}
